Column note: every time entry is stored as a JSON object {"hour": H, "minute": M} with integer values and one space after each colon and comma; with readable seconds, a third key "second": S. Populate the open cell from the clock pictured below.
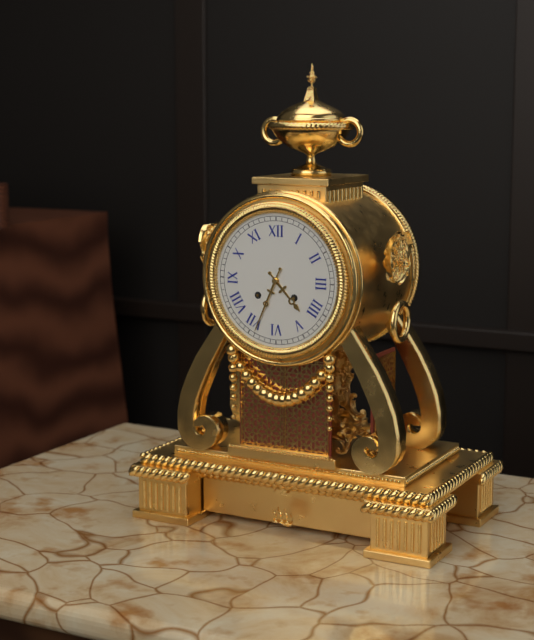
{"hour": 4, "minute": 34}
